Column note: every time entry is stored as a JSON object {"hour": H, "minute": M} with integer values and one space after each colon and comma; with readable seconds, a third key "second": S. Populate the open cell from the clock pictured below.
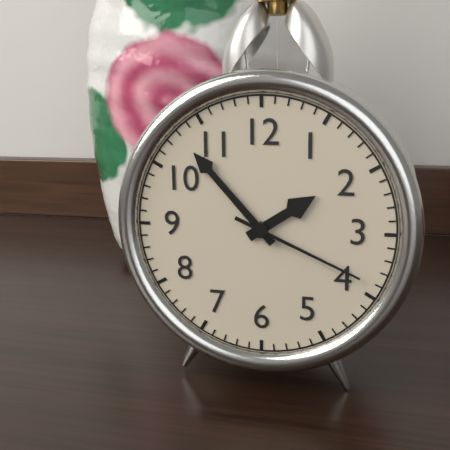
{"hour": 1, "minute": 53, "second": 19}
